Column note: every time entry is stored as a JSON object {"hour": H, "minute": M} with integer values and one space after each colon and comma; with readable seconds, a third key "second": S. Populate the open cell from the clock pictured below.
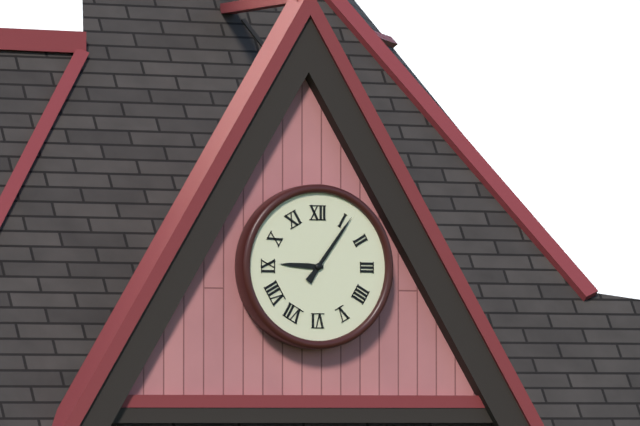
{"hour": 9, "minute": 6}
